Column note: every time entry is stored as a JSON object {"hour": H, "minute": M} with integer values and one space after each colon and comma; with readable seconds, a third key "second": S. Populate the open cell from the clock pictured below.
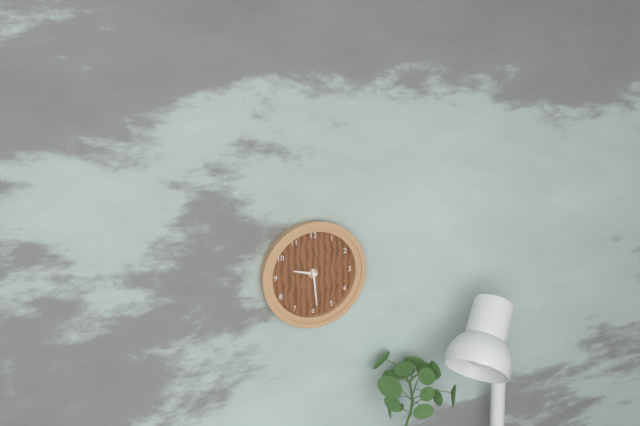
{"hour": 9, "minute": 29}
